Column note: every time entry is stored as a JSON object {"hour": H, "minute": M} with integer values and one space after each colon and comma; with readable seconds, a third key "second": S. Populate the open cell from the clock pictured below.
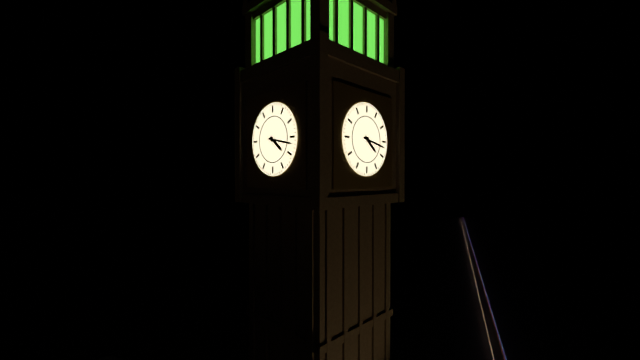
{"hour": 4, "minute": 17}
